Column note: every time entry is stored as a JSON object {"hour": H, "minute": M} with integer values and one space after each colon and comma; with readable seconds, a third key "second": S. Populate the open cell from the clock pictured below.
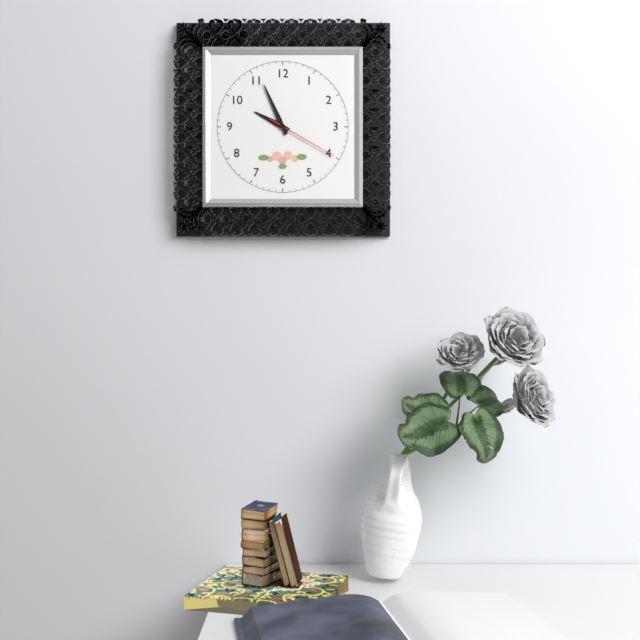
{"hour": 9, "minute": 56, "second": 20}
